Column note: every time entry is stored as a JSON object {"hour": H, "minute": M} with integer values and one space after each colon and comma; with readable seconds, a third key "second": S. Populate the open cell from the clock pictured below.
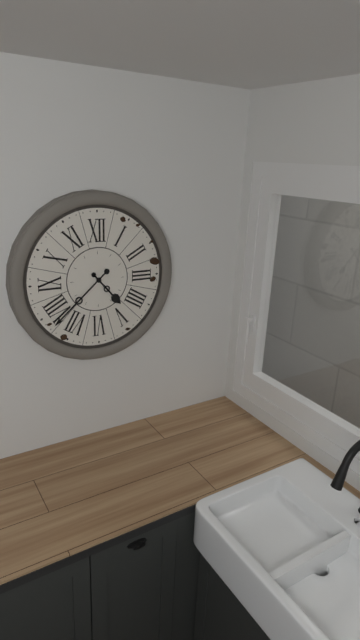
{"hour": 4, "minute": 38}
